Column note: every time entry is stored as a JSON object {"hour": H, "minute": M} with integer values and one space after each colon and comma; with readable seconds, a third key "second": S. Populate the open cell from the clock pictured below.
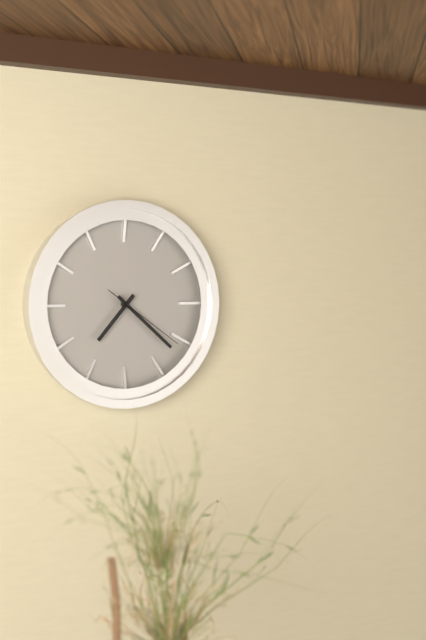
{"hour": 7, "minute": 22, "second": 21}
